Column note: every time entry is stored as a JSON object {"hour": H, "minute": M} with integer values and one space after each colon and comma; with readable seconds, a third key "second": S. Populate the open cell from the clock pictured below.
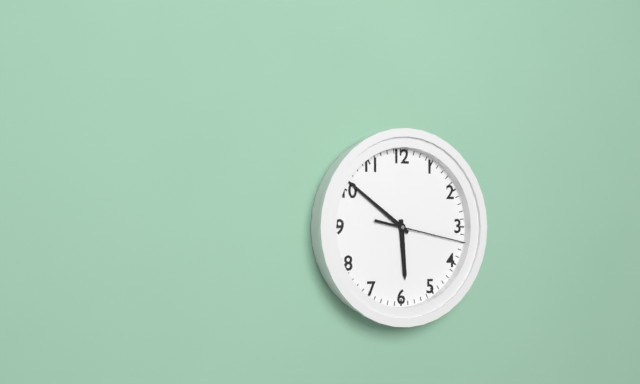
{"hour": 5, "minute": 51, "second": 17}
